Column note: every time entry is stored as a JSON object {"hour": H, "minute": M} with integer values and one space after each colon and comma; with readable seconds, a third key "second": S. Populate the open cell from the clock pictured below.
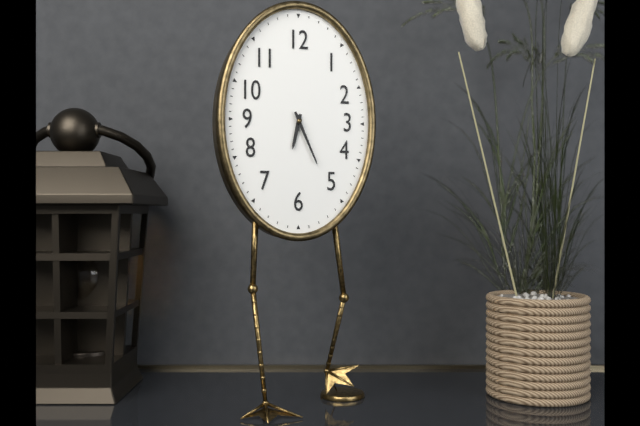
{"hour": 6, "minute": 26}
